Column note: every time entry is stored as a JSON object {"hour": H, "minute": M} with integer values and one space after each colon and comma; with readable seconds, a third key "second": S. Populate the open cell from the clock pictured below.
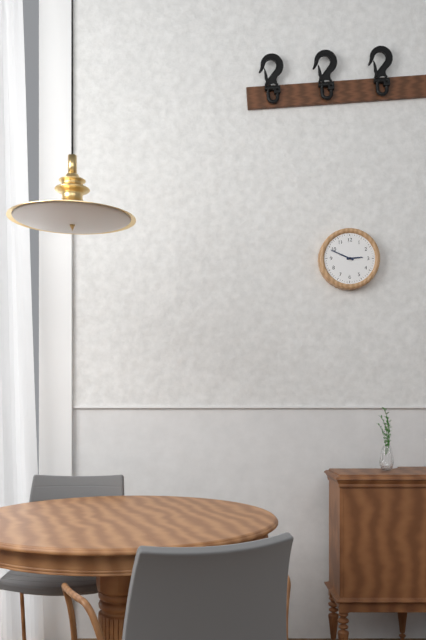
{"hour": 2, "minute": 49}
